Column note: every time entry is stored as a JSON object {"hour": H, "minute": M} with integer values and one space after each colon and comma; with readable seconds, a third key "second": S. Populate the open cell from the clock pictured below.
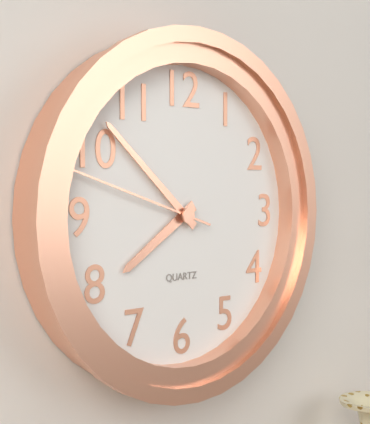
{"hour": 7, "minute": 52, "second": 48}
